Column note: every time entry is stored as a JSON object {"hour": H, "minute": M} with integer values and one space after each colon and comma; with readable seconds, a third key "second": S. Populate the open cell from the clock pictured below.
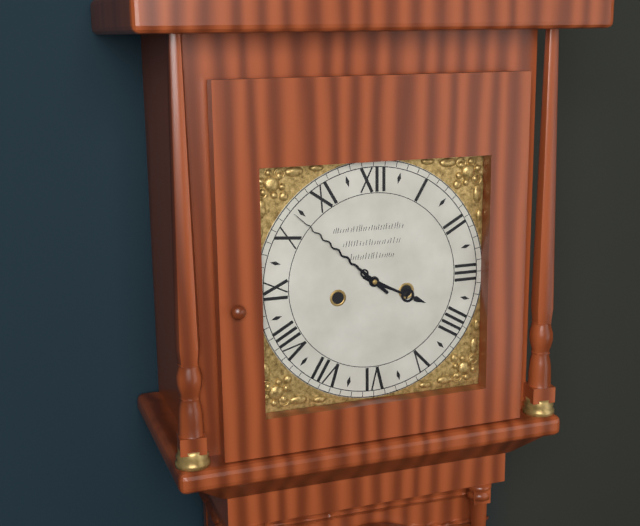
{"hour": 3, "minute": 52}
